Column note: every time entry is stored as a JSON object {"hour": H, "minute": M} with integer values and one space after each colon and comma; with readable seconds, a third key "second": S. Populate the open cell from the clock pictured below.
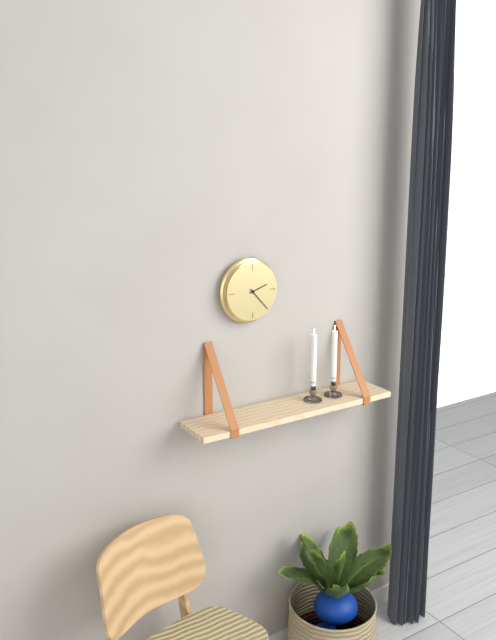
{"hour": 2, "minute": 23}
